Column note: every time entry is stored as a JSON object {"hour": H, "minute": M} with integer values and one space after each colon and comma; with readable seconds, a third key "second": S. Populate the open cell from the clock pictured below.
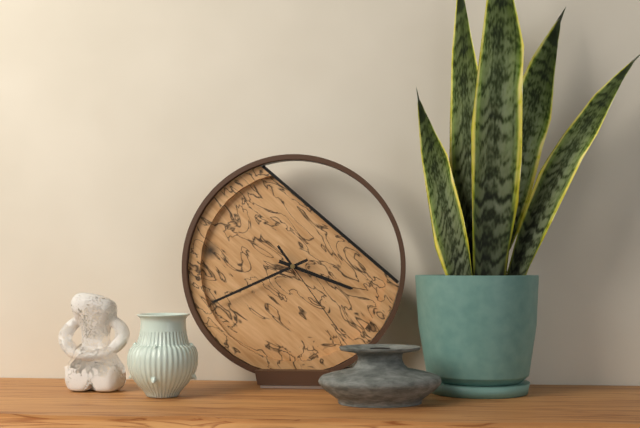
{"hour": 3, "minute": 41, "second": 24}
